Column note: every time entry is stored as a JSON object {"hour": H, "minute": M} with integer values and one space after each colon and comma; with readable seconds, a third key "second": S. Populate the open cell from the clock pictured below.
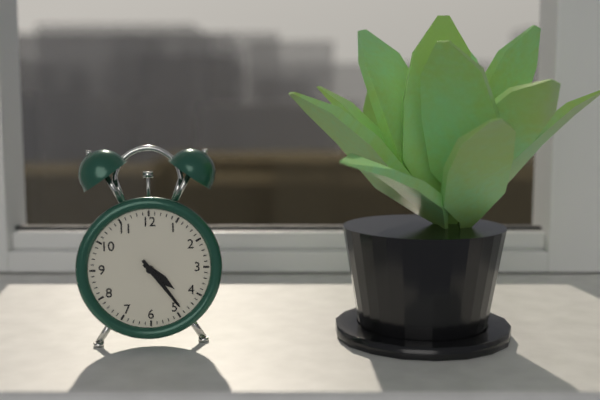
{"hour": 4, "minute": 24}
